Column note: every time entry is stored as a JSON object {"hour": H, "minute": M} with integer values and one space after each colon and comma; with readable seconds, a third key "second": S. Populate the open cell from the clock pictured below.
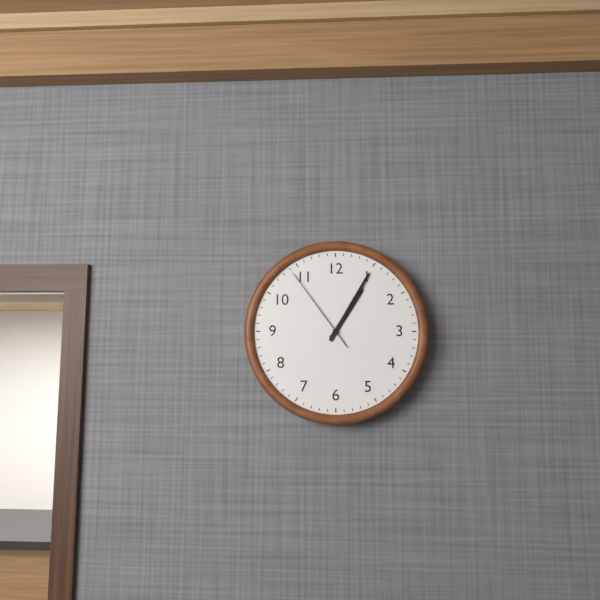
{"hour": 1, "minute": 5, "second": 54}
